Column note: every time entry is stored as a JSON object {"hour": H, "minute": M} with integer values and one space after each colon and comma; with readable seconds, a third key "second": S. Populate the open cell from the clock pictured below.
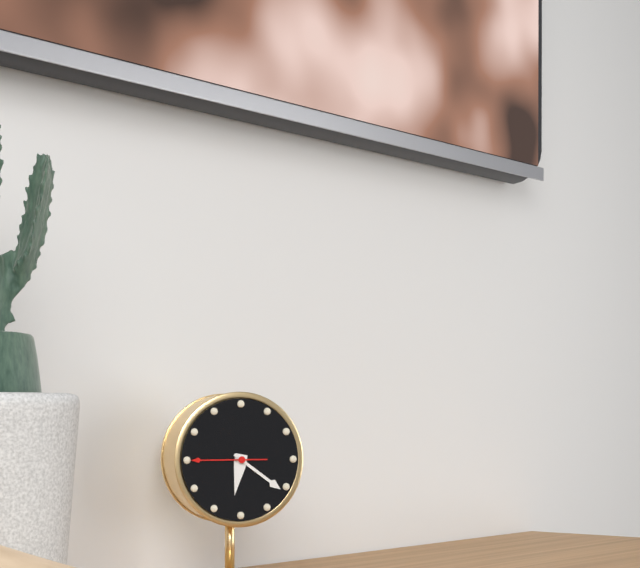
{"hour": 6, "minute": 21, "second": 45}
